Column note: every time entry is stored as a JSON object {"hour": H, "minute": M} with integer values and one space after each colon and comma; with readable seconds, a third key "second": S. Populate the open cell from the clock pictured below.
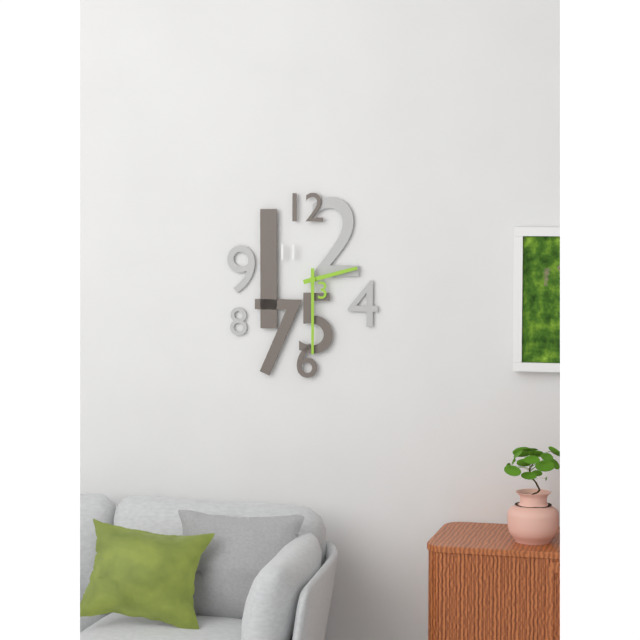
{"hour": 2, "minute": 30}
